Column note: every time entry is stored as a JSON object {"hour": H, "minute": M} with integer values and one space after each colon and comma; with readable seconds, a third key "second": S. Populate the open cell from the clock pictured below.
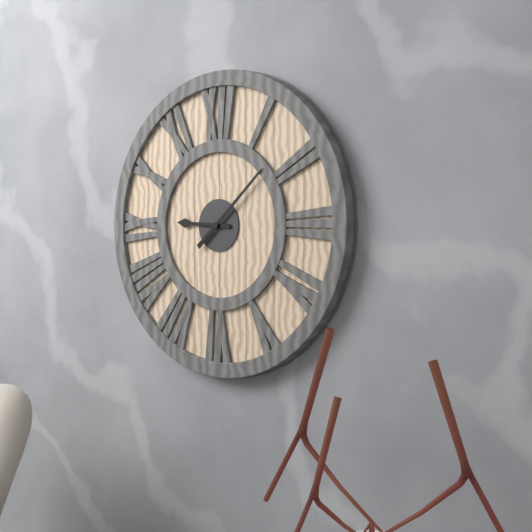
{"hour": 9, "minute": 8}
